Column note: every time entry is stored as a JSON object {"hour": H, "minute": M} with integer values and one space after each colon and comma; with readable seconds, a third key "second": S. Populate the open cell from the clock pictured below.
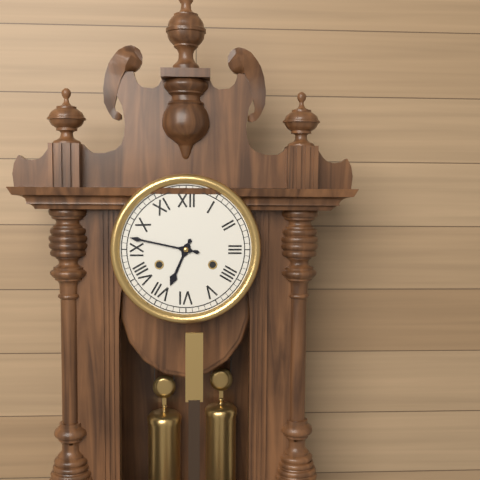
{"hour": 6, "minute": 47}
